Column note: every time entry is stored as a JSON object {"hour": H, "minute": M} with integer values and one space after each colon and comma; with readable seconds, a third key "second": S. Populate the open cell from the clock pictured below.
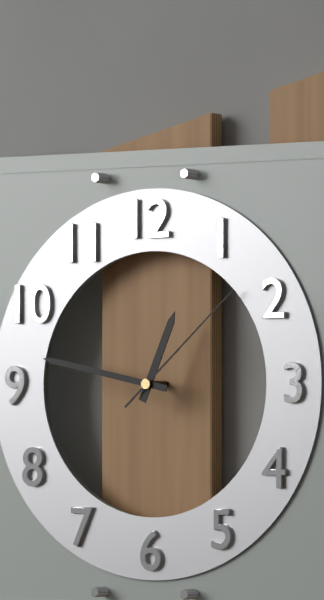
{"hour": 12, "minute": 47, "second": 8}
